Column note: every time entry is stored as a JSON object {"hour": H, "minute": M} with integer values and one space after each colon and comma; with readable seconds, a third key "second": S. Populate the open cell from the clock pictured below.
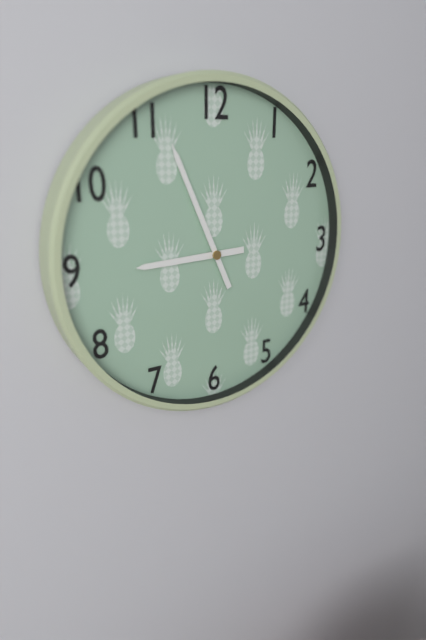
{"hour": 8, "minute": 56}
